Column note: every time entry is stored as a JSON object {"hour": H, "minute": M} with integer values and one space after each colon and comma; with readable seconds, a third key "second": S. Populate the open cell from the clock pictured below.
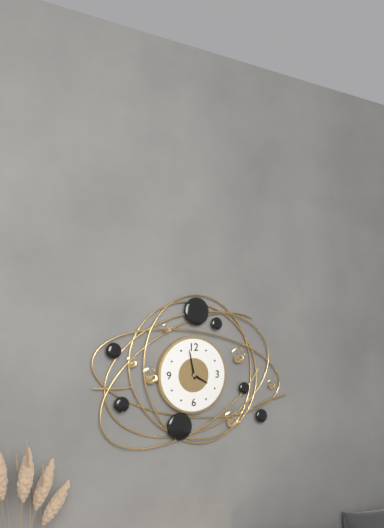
{"hour": 3, "minute": 58}
